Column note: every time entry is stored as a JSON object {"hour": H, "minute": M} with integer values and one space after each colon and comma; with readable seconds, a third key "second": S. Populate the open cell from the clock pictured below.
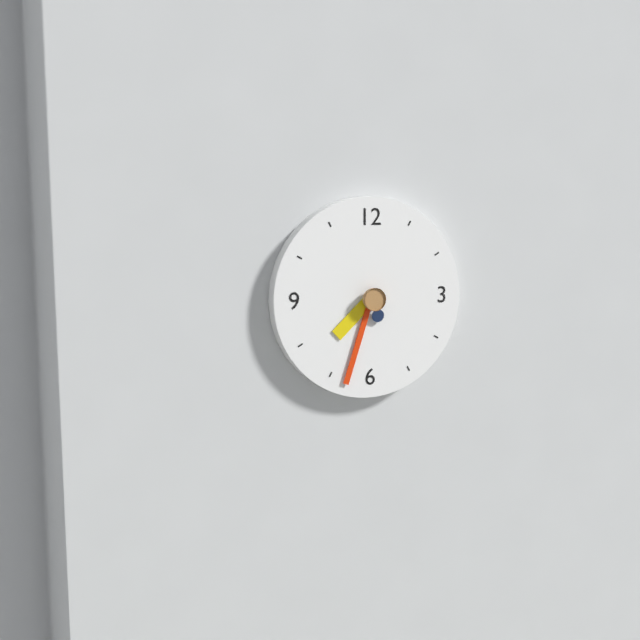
{"hour": 7, "minute": 33}
